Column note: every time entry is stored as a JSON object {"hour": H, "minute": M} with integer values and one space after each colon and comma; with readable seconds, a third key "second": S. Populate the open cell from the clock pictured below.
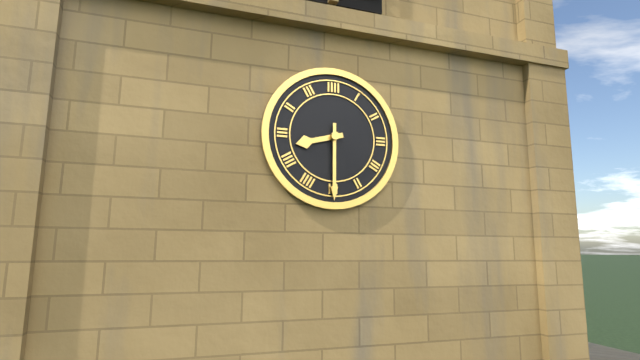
{"hour": 8, "minute": 30}
